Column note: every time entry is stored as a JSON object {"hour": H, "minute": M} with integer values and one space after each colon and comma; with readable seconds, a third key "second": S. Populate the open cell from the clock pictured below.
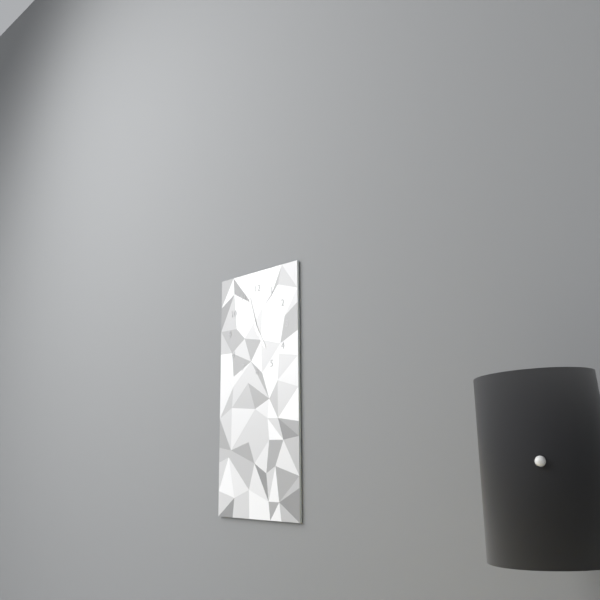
{"hour": 4, "minute": 57}
